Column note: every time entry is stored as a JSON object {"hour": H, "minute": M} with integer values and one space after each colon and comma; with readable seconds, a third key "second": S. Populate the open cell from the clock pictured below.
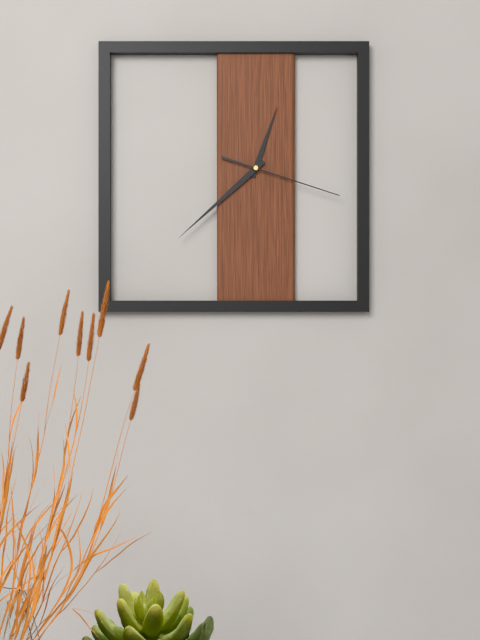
{"hour": 12, "minute": 38, "second": 18}
